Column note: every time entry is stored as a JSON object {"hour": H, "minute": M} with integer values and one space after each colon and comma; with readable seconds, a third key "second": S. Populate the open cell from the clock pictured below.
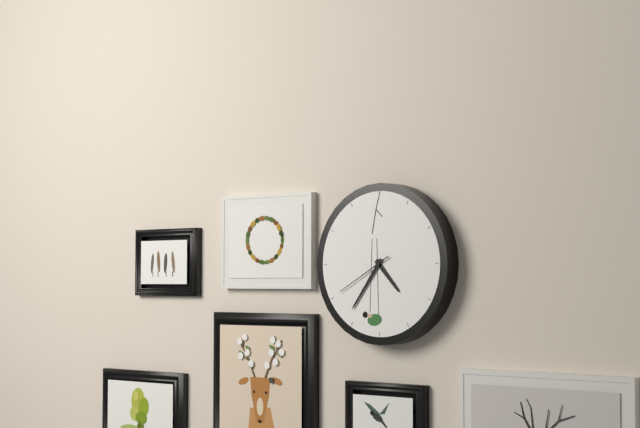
{"hour": 4, "minute": 36, "second": 40}
